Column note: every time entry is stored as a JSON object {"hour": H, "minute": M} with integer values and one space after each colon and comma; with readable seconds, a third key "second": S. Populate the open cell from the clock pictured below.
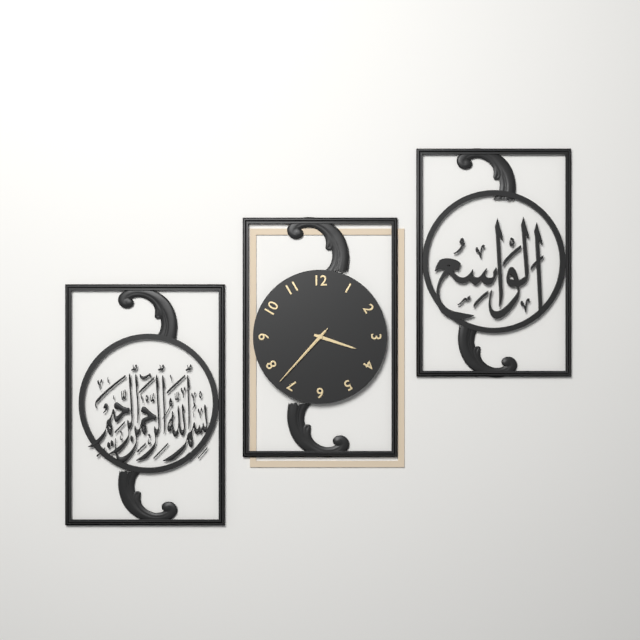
{"hour": 3, "minute": 37, "second": 37}
